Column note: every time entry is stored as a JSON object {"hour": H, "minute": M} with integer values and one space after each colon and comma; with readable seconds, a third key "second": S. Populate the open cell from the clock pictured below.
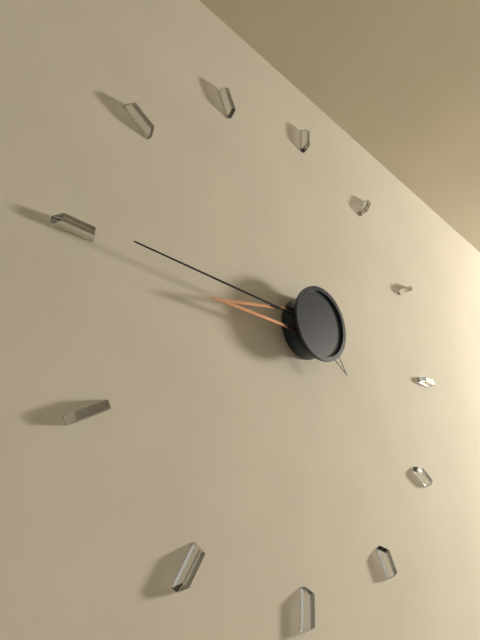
{"hour": 8, "minute": 45, "second": 22}
